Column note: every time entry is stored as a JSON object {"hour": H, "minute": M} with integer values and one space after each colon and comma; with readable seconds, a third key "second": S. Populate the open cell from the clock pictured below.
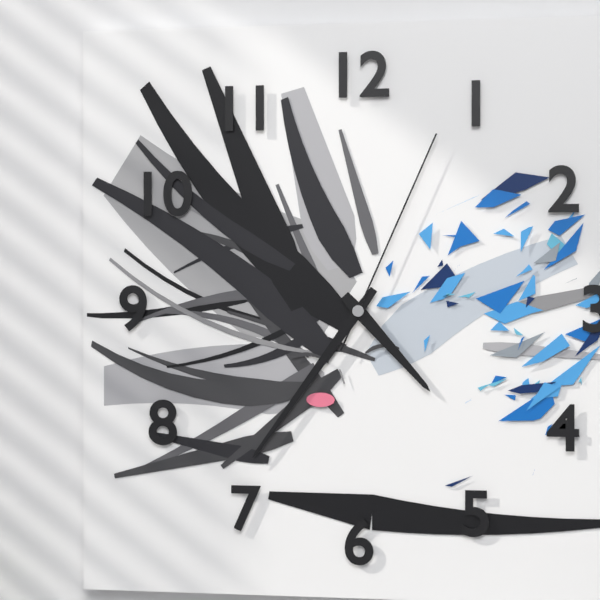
{"hour": 4, "minute": 36, "second": 4}
